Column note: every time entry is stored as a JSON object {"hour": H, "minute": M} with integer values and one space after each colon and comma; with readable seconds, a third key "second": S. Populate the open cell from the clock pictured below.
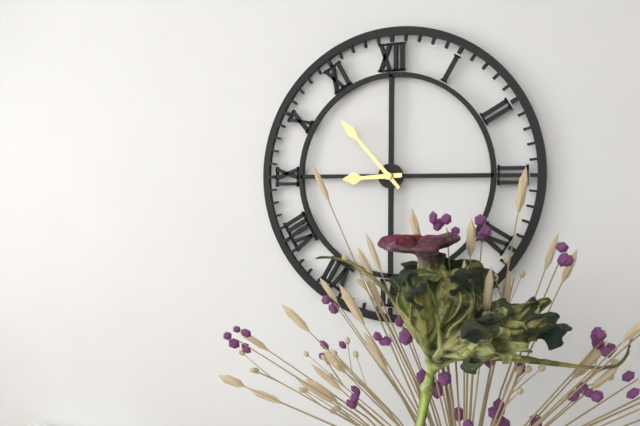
{"hour": 8, "minute": 53}
